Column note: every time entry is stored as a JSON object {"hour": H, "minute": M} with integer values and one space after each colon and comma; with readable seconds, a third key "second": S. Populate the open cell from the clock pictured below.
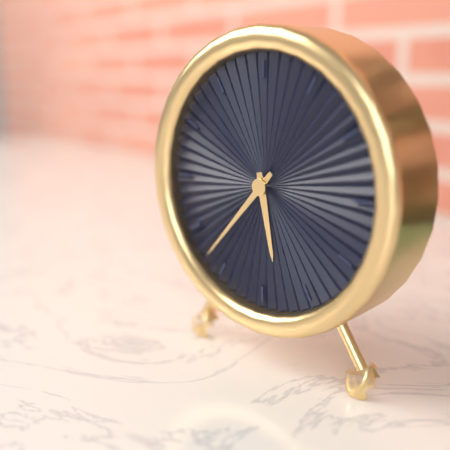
{"hour": 5, "minute": 37}
